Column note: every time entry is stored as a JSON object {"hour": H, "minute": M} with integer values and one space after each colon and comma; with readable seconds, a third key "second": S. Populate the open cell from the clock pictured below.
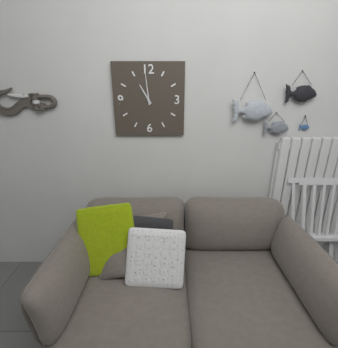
{"hour": 10, "minute": 59}
